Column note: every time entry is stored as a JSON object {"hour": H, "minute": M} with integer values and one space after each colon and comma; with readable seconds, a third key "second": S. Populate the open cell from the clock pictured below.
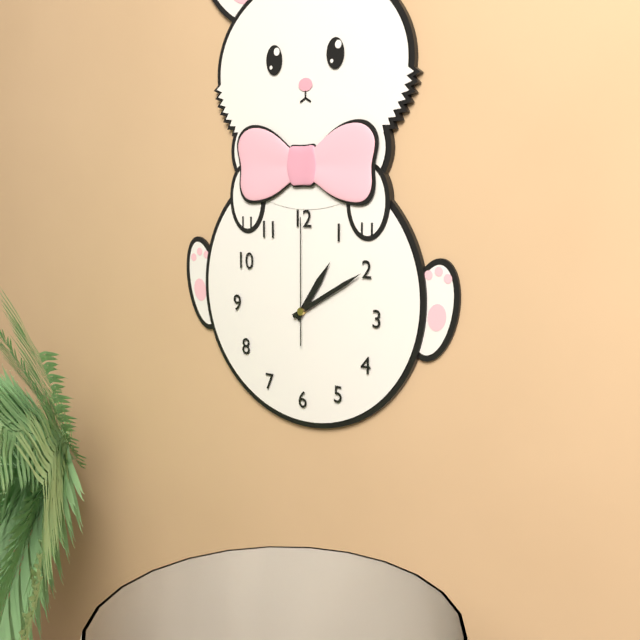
{"hour": 1, "minute": 10, "second": 0}
